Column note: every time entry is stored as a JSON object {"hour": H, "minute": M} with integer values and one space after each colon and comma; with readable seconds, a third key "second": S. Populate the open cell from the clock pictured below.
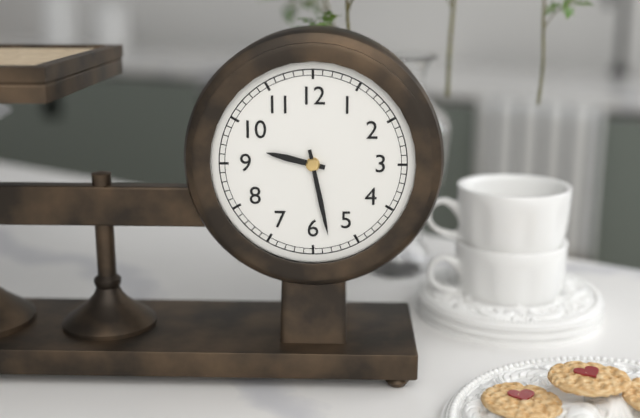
{"hour": 9, "minute": 28}
